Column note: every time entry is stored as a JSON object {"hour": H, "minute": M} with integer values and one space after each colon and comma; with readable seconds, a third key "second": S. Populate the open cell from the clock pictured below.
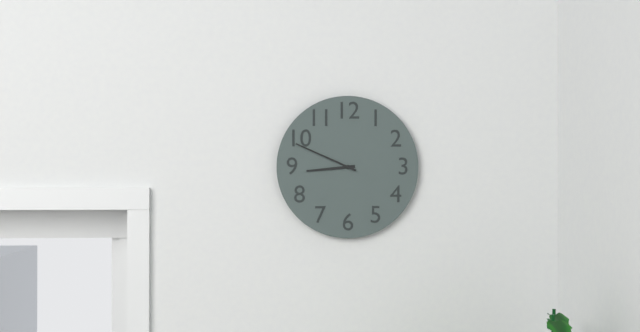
{"hour": 8, "minute": 49}
